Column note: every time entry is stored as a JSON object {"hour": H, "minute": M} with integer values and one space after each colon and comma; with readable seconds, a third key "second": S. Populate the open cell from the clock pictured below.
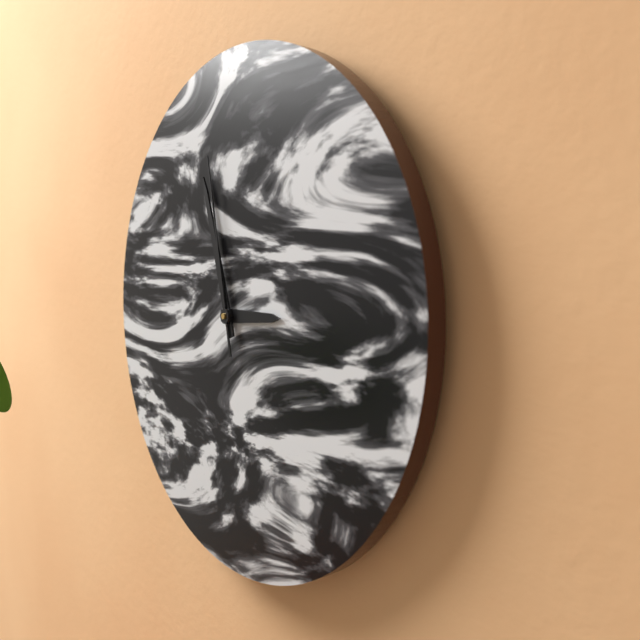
{"hour": 2, "minute": 57, "second": 58}
